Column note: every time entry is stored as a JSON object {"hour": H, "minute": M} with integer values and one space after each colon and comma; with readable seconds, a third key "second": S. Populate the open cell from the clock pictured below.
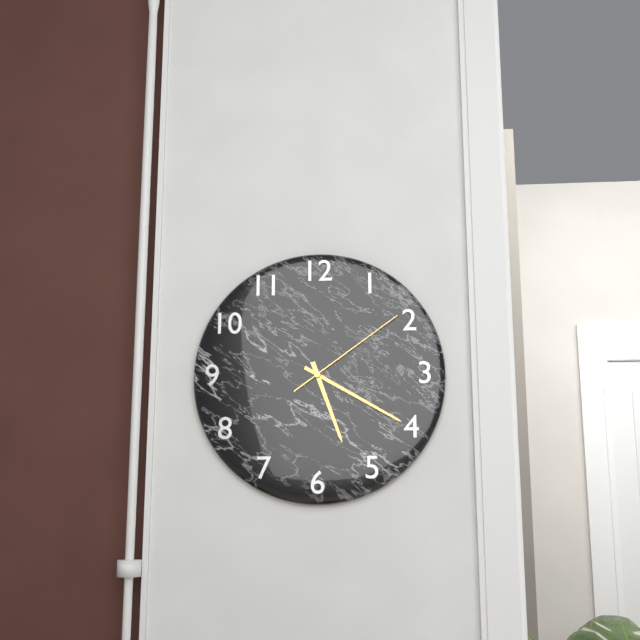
{"hour": 5, "minute": 20, "second": 9}
